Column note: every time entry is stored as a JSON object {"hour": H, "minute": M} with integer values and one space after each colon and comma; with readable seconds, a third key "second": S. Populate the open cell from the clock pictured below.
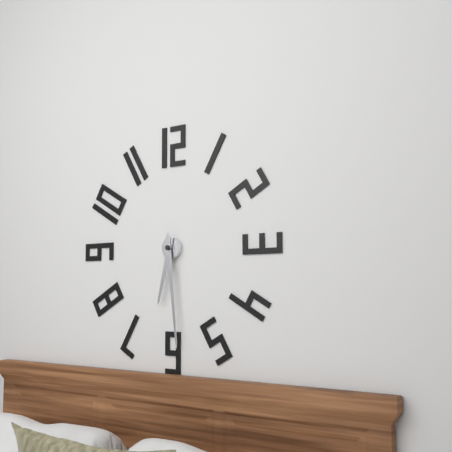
{"hour": 6, "minute": 29}
